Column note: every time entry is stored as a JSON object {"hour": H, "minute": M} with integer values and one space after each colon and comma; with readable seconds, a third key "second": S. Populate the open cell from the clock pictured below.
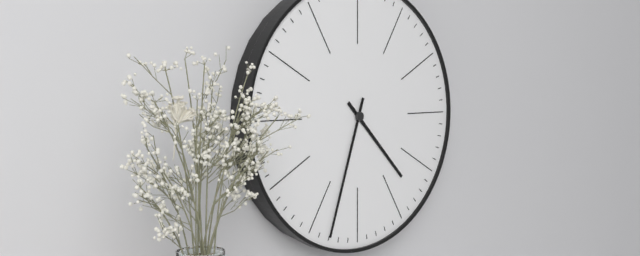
{"hour": 4, "minute": 33}
